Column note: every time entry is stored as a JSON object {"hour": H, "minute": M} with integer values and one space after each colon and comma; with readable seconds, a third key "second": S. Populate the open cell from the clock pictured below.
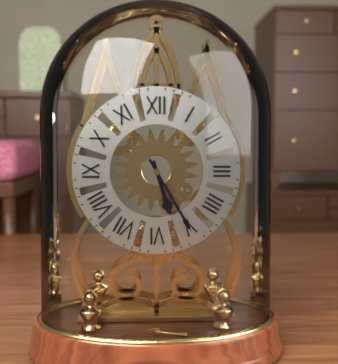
{"hour": 5, "minute": 25}
